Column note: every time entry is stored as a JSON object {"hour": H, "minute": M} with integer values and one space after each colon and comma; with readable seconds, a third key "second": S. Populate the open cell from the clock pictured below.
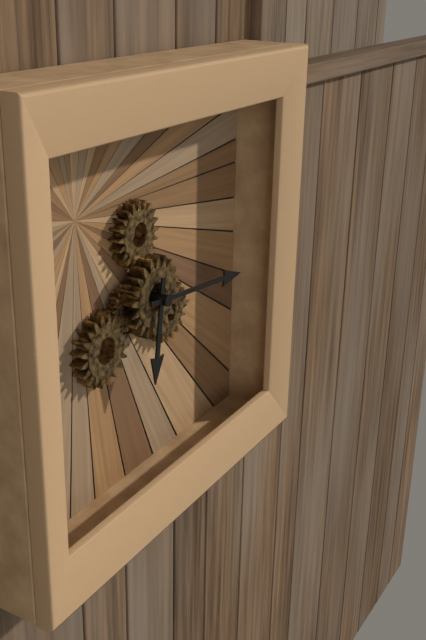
{"hour": 6, "minute": 16}
